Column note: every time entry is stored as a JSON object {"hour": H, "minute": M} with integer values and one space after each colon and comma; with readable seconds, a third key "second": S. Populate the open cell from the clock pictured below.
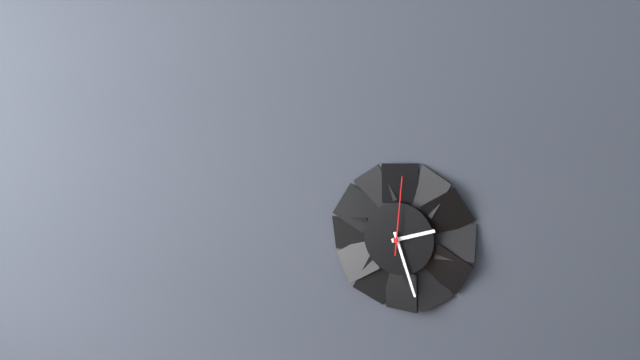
{"hour": 2, "minute": 27, "second": 1}
